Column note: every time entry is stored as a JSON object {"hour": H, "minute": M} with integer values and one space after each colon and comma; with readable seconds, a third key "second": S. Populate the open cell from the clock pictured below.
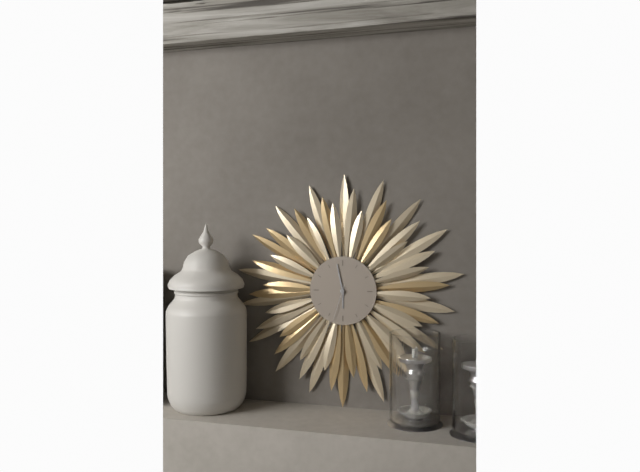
{"hour": 5, "minute": 58}
